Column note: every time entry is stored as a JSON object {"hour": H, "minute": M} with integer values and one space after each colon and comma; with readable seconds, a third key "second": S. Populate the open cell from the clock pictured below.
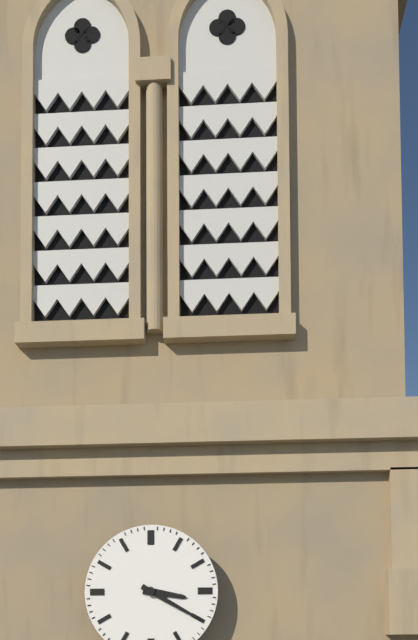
{"hour": 3, "minute": 20}
